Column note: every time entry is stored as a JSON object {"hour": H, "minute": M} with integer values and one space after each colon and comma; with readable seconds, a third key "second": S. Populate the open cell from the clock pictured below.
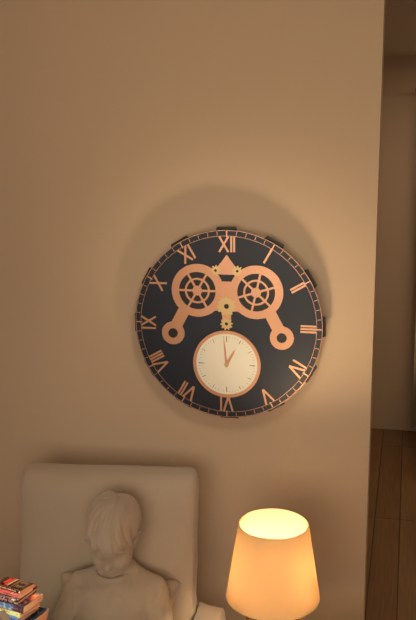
{"hour": 12, "minute": 59}
